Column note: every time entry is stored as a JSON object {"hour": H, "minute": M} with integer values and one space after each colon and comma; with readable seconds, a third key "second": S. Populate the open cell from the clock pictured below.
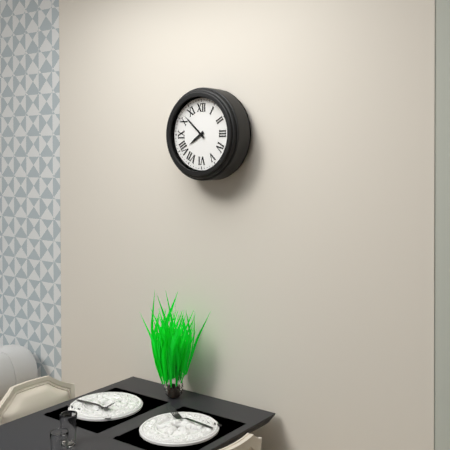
{"hour": 7, "minute": 52}
